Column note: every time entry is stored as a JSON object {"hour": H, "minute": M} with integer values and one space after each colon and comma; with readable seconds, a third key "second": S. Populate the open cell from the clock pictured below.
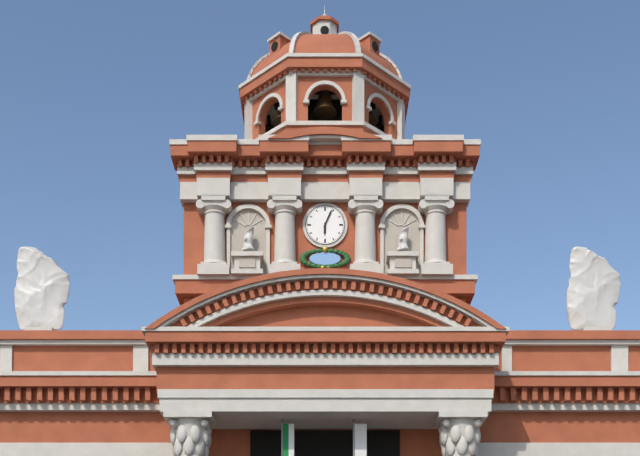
{"hour": 6, "minute": 4}
